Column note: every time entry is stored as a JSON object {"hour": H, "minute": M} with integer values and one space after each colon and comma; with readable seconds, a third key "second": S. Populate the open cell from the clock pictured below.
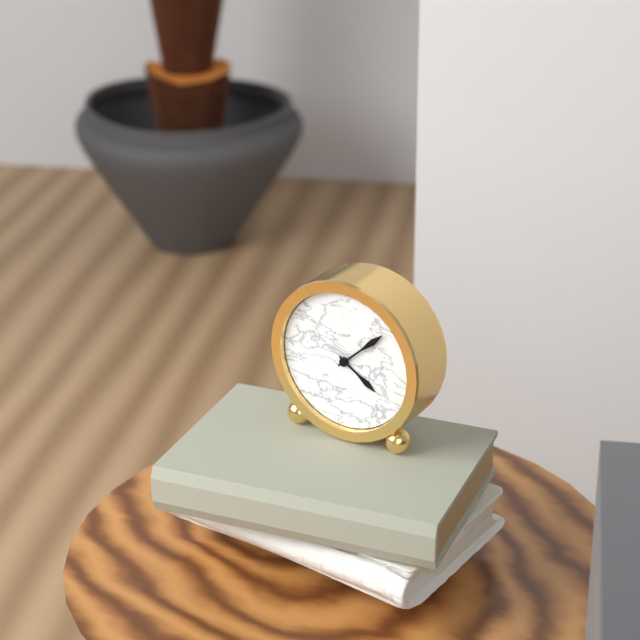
{"hour": 4, "minute": 8}
